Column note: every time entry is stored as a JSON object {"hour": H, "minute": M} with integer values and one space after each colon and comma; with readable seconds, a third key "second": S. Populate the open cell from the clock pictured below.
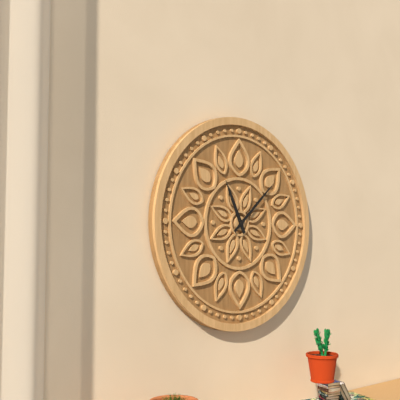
{"hour": 11, "minute": 8}
